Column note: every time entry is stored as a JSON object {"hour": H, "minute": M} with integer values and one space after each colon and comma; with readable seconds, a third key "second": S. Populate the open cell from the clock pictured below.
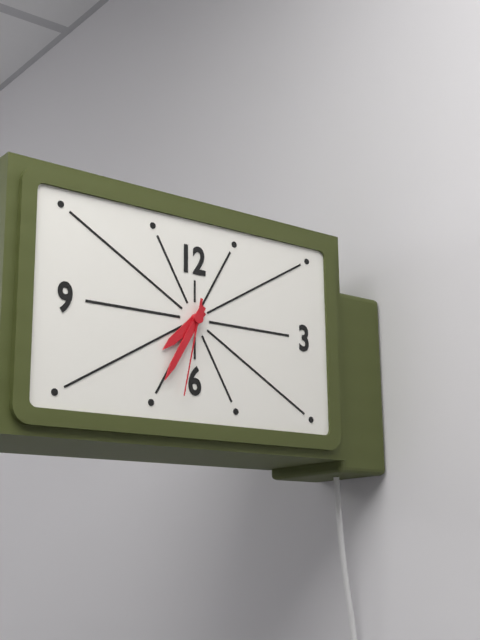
{"hour": 7, "minute": 35, "second": 32}
